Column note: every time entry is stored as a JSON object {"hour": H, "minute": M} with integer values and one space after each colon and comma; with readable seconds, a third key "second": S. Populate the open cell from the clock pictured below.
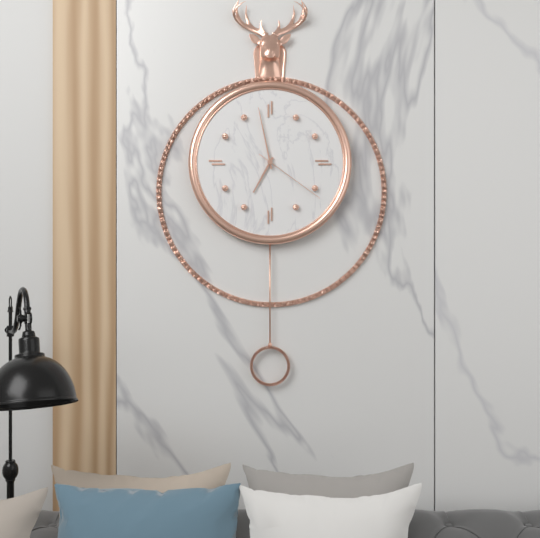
{"hour": 6, "minute": 58, "second": 21}
